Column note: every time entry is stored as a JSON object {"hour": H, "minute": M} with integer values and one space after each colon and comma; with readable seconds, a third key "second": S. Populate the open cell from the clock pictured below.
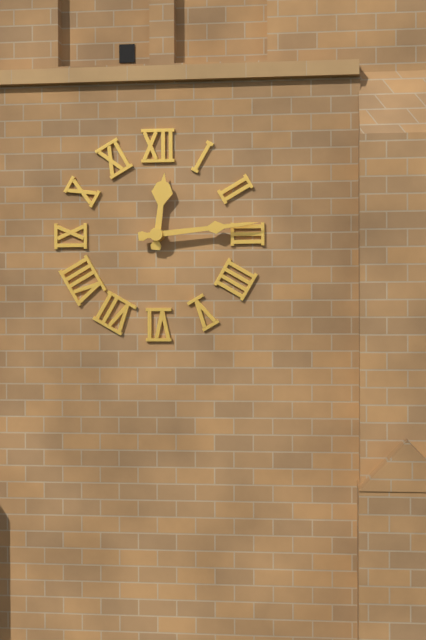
{"hour": 12, "minute": 14}
